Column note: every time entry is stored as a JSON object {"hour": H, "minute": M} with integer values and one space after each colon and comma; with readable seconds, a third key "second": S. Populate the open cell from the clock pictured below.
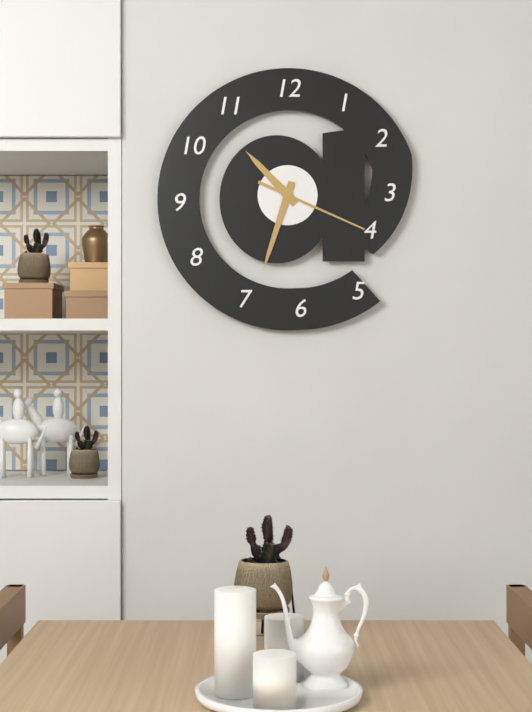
{"hour": 10, "minute": 33, "second": 19}
